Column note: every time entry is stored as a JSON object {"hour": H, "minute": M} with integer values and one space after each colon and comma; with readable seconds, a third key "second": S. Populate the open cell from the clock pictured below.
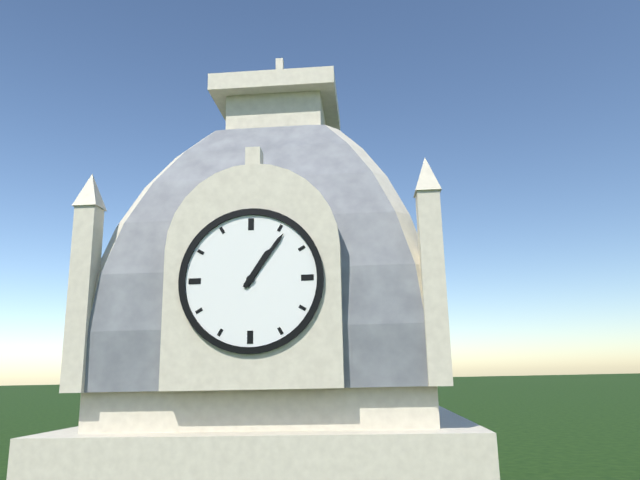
{"hour": 1, "minute": 6}
